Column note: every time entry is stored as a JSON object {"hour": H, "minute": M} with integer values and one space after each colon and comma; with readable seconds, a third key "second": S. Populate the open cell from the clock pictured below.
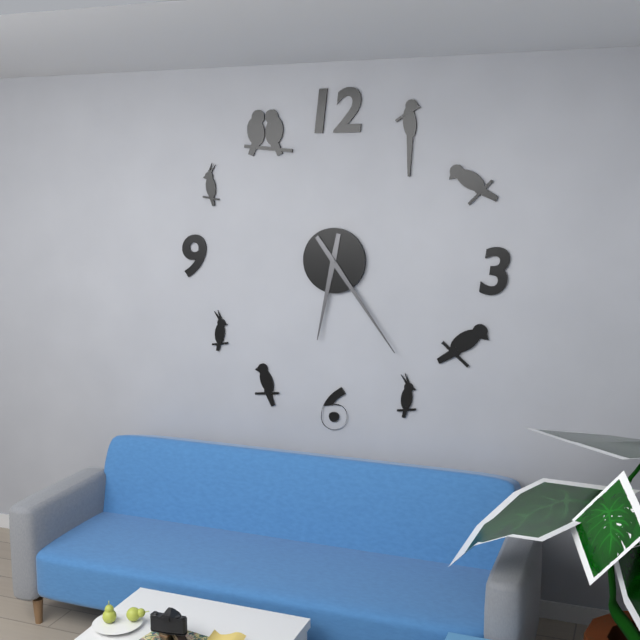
{"hour": 6, "minute": 24}
